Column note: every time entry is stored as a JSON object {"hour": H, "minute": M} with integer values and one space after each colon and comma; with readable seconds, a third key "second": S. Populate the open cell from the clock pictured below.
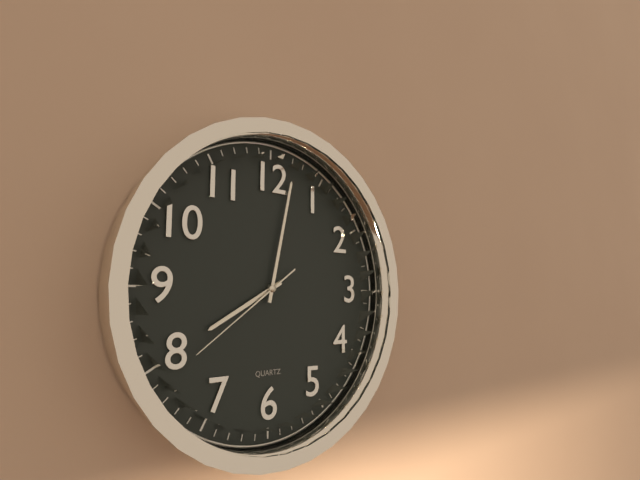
{"hour": 8, "minute": 2, "second": 39}
